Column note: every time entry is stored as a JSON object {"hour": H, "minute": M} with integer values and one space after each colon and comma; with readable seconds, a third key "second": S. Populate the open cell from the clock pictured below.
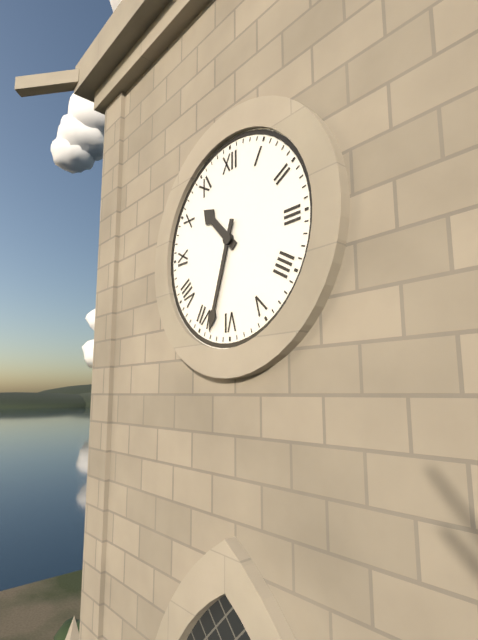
{"hour": 10, "minute": 33}
